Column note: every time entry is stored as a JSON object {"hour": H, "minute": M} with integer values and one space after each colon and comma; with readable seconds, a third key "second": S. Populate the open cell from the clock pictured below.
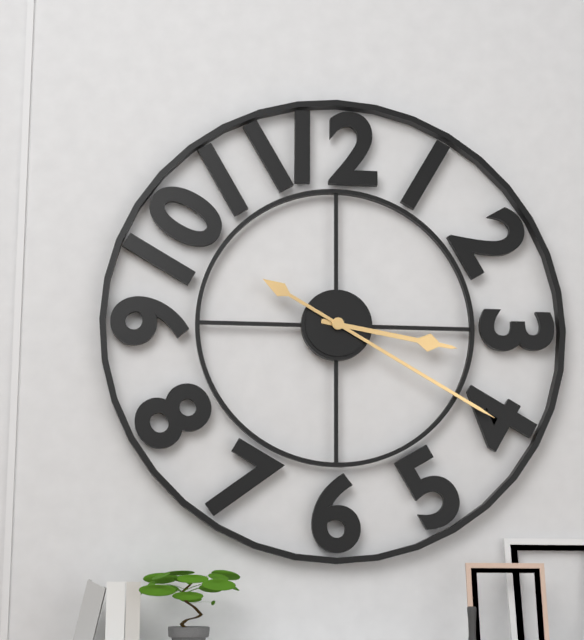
{"hour": 3, "minute": 20}
